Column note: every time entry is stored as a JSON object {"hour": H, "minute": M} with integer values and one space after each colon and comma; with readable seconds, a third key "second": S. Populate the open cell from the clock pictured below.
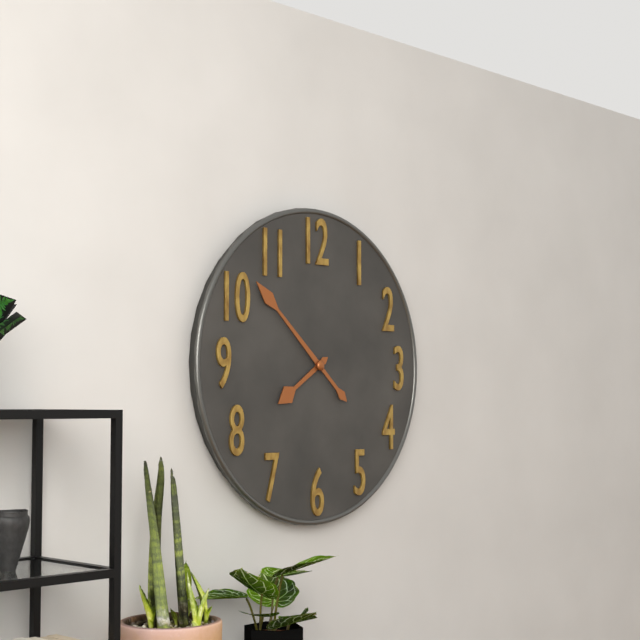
{"hour": 7, "minute": 52}
